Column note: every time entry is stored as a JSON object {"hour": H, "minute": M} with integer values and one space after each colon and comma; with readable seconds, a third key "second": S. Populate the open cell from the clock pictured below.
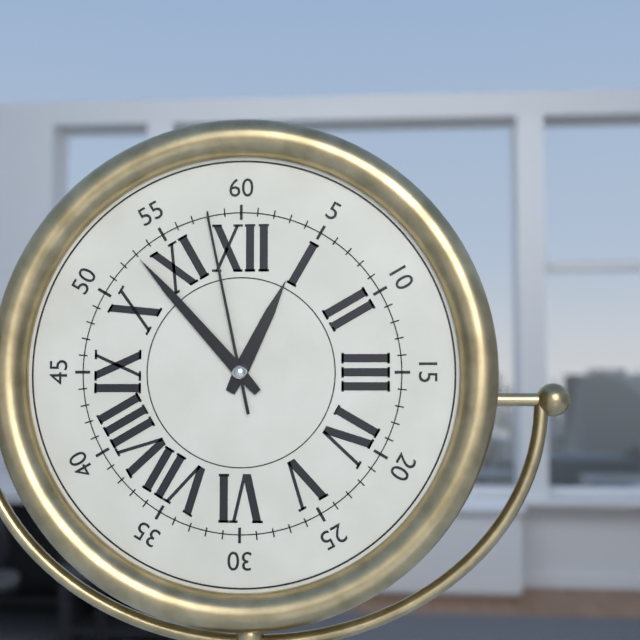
{"hour": 12, "minute": 53, "second": 58}
